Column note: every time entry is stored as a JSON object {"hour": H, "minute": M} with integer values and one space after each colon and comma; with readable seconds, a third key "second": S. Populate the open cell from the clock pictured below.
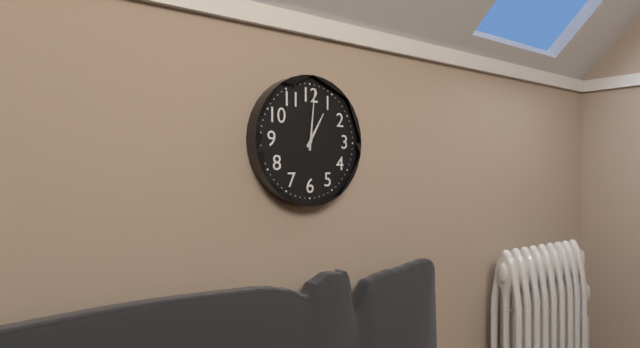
{"hour": 1, "minute": 1}
